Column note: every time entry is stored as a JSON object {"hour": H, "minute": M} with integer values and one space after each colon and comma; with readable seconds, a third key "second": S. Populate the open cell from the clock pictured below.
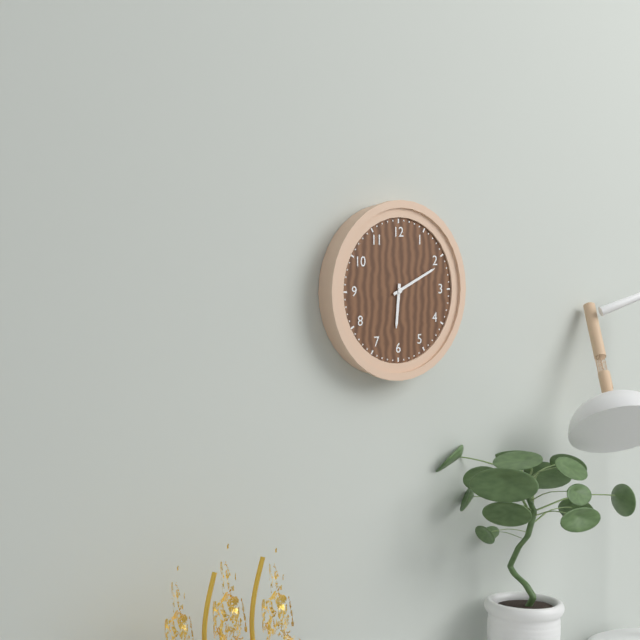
{"hour": 6, "minute": 11}
